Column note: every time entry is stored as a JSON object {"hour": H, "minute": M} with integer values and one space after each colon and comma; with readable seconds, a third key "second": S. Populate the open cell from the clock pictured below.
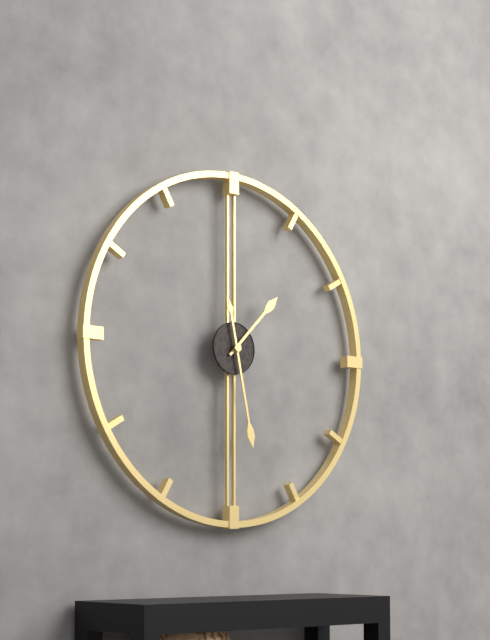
{"hour": 1, "minute": 28}
